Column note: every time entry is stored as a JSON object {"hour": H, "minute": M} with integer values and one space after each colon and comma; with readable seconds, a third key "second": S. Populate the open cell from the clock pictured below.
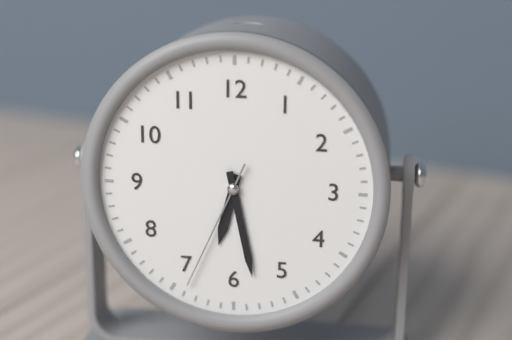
{"hour": 6, "minute": 28, "second": 34}
